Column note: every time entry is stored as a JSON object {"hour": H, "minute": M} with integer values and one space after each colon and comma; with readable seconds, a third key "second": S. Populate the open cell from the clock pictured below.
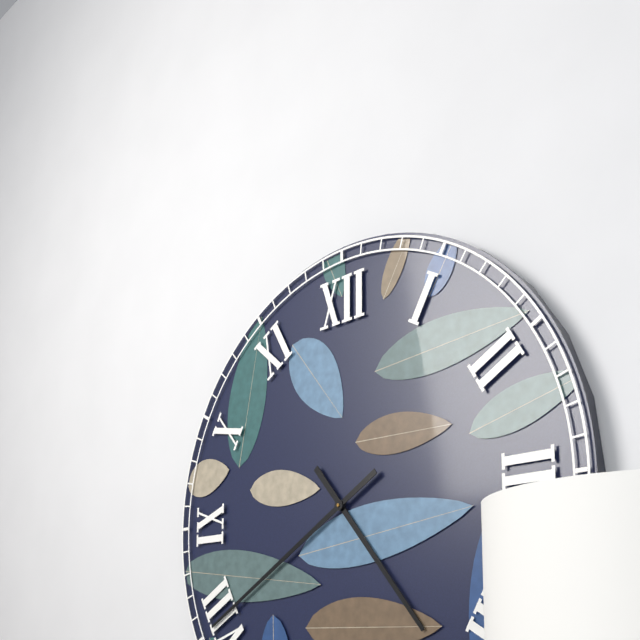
{"hour": 4, "minute": 40}
